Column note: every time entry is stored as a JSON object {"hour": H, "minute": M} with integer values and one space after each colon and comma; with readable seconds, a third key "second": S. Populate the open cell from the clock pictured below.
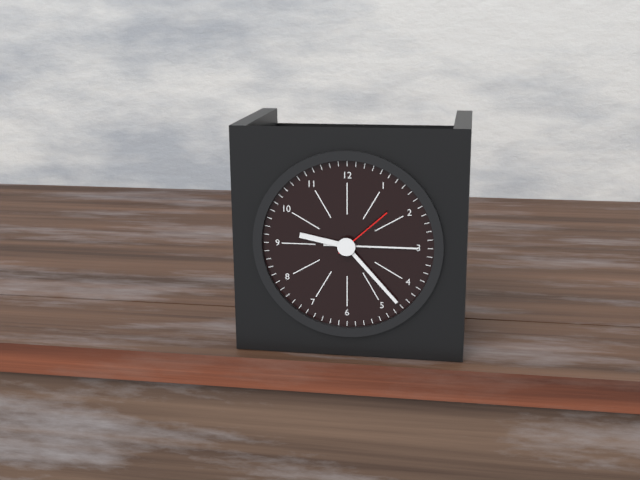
{"hour": 9, "minute": 23, "second": 8}
